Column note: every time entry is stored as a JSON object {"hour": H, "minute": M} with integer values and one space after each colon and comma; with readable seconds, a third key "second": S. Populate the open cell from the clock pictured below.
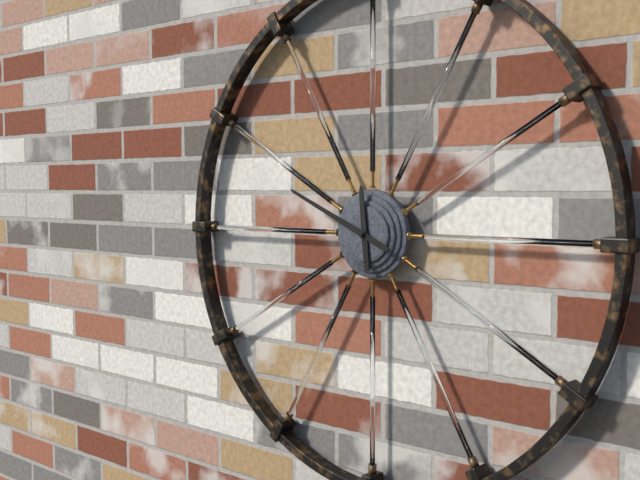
{"hour": 11, "minute": 49}
